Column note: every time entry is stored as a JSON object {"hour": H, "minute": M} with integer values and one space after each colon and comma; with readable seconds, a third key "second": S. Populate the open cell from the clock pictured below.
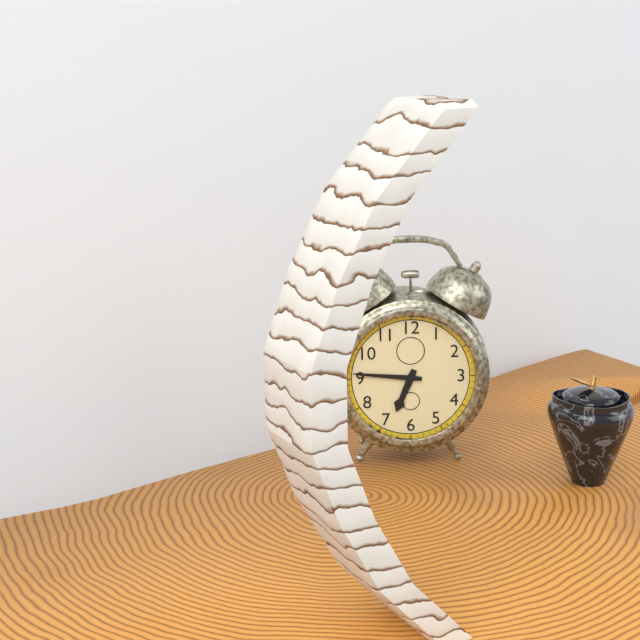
{"hour": 6, "minute": 46}
